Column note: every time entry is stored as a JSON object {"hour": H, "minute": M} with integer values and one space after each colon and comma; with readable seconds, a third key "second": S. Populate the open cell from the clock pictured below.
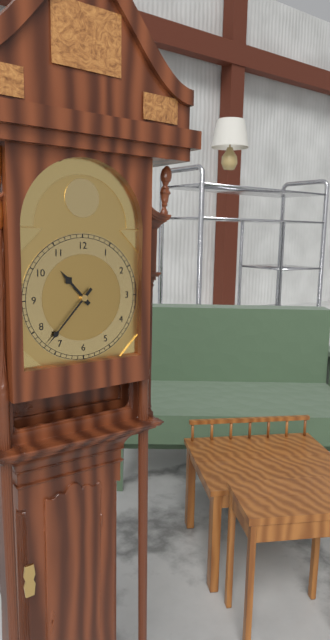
{"hour": 10, "minute": 37}
